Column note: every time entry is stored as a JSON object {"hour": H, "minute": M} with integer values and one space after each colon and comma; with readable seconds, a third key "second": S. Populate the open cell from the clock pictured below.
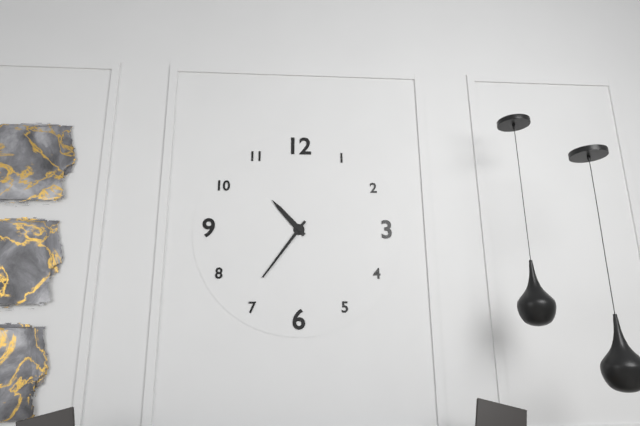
{"hour": 10, "minute": 36}
